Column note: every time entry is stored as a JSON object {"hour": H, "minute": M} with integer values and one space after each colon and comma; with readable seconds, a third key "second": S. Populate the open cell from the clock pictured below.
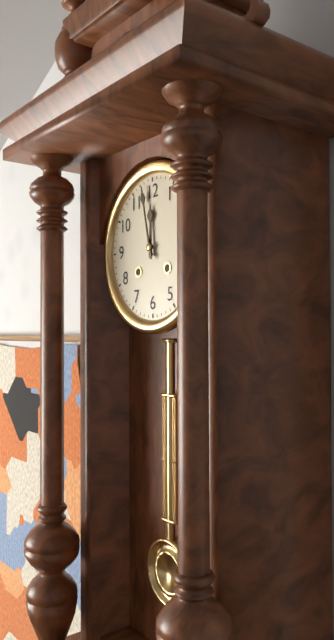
{"hour": 11, "minute": 58}
